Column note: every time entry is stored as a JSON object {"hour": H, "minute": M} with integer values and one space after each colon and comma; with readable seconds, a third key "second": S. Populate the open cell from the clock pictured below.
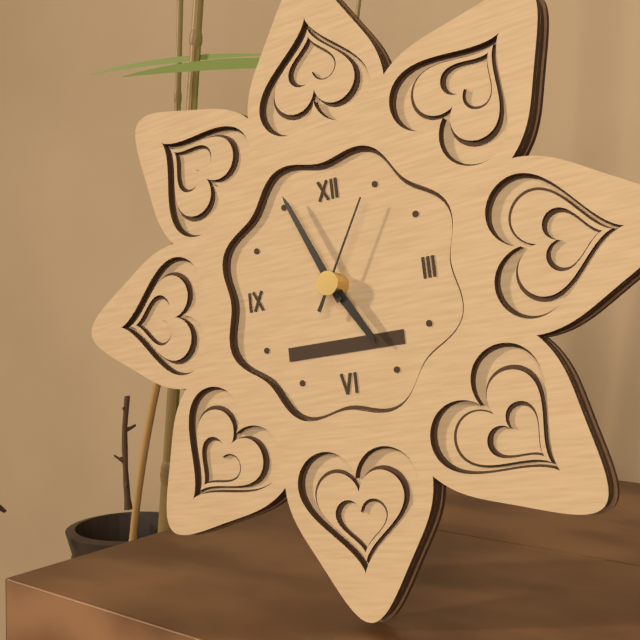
{"hour": 4, "minute": 56, "second": 5}
